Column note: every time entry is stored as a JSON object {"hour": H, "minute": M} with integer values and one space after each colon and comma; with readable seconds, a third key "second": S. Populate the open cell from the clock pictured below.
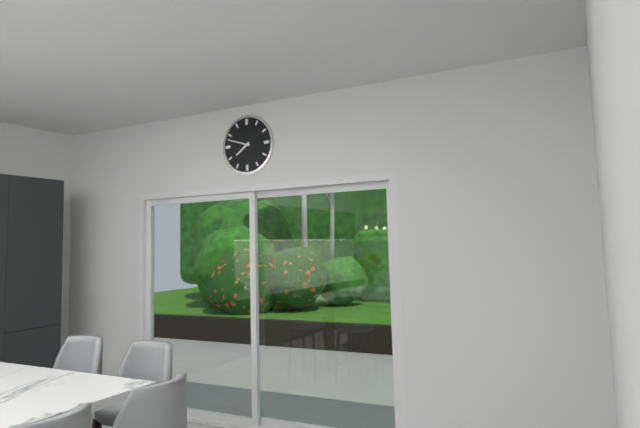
{"hour": 7, "minute": 48}
